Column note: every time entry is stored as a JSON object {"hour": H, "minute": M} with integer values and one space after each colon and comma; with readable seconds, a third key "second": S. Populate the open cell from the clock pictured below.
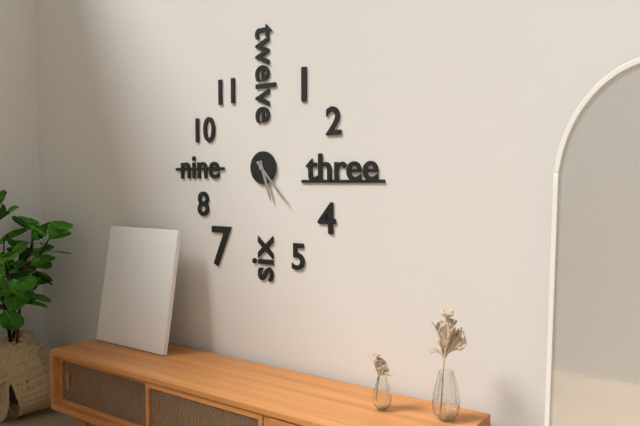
{"hour": 5, "minute": 23}
